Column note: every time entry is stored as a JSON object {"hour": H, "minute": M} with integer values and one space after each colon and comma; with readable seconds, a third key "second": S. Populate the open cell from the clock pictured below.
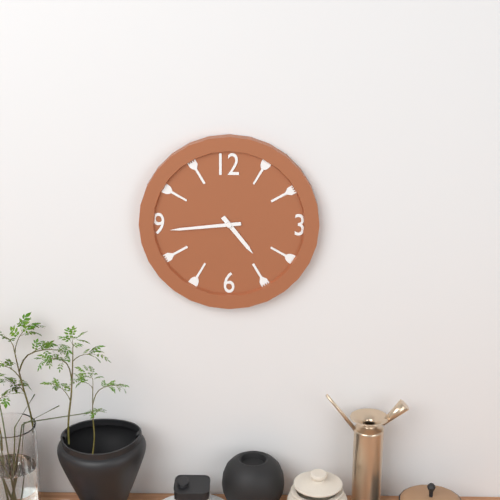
{"hour": 4, "minute": 44}
